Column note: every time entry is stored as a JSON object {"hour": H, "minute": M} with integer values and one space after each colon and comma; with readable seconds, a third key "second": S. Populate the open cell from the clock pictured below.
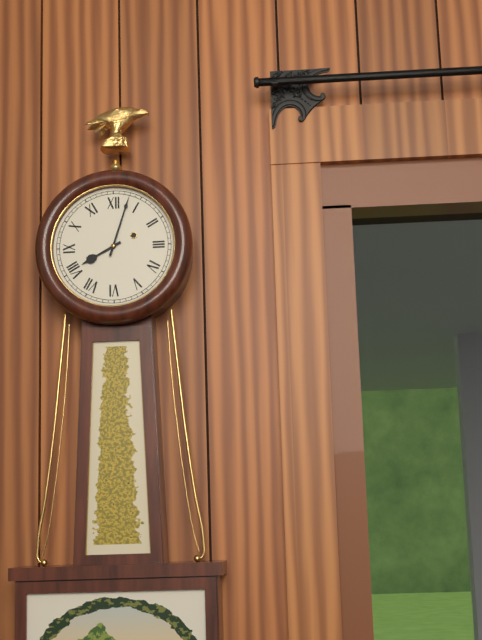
{"hour": 8, "minute": 3}
